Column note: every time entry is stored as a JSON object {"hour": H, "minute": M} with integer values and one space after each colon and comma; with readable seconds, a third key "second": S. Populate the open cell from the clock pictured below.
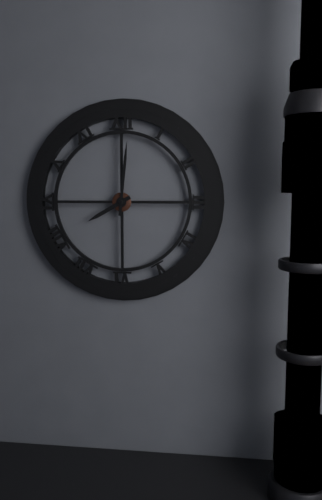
{"hour": 8, "minute": 1}
